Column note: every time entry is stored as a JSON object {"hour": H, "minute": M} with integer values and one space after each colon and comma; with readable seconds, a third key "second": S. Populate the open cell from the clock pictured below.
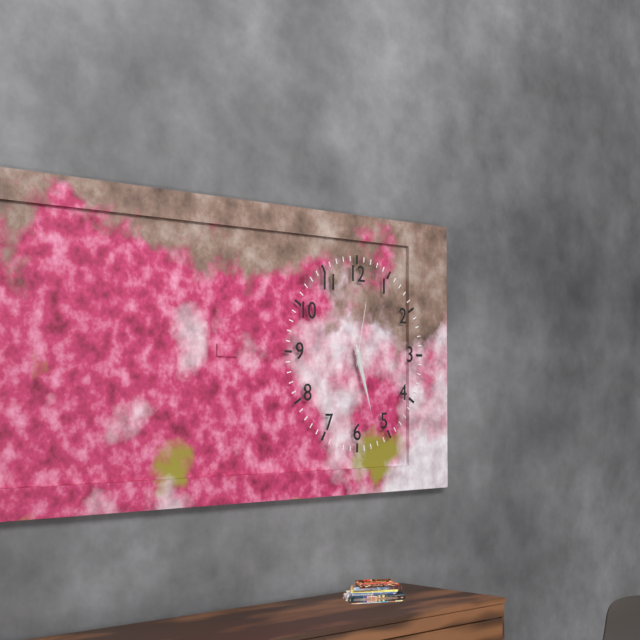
{"hour": 5, "minute": 27, "second": 2}
